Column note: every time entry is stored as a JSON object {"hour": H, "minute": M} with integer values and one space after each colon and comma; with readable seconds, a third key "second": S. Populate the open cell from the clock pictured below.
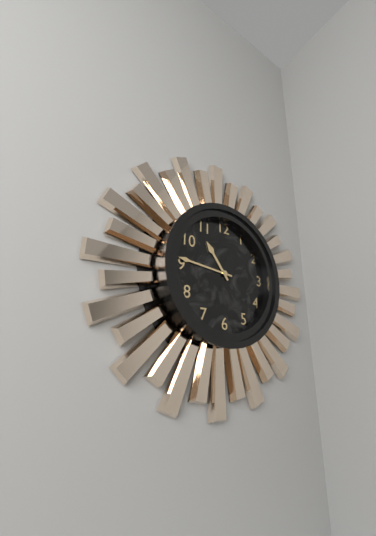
{"hour": 10, "minute": 46}
